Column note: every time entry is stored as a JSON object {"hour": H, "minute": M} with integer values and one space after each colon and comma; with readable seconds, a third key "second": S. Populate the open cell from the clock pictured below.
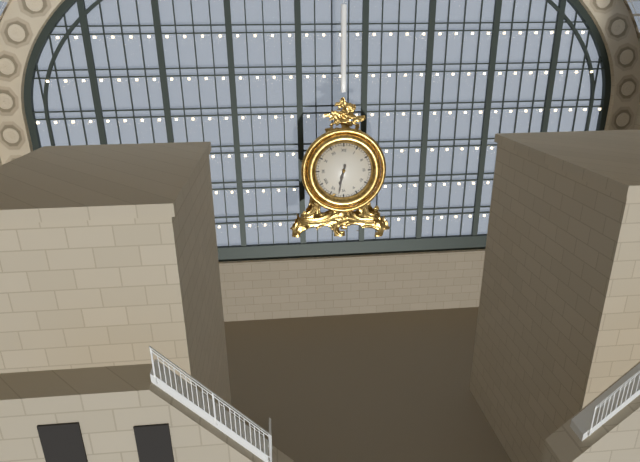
{"hour": 6, "minute": 32}
